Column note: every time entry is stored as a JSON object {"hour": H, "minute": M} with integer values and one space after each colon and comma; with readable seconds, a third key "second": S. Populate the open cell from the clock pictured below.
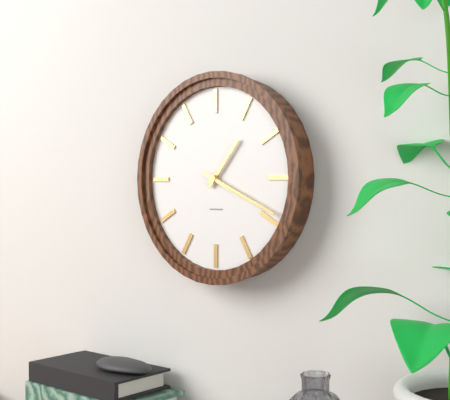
{"hour": 1, "minute": 19}
